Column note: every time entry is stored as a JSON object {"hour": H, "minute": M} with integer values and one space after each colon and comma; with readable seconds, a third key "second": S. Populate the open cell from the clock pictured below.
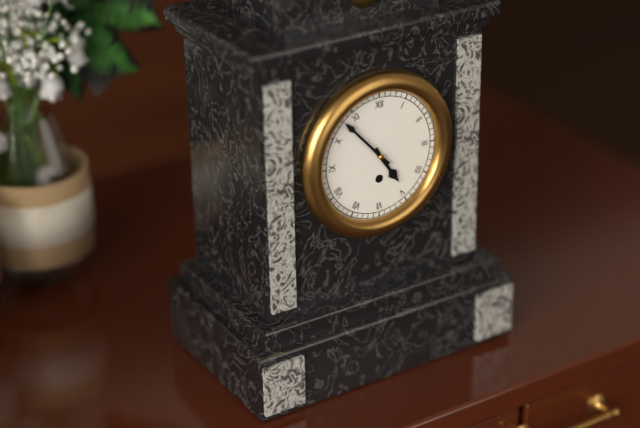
{"hour": 4, "minute": 53}
